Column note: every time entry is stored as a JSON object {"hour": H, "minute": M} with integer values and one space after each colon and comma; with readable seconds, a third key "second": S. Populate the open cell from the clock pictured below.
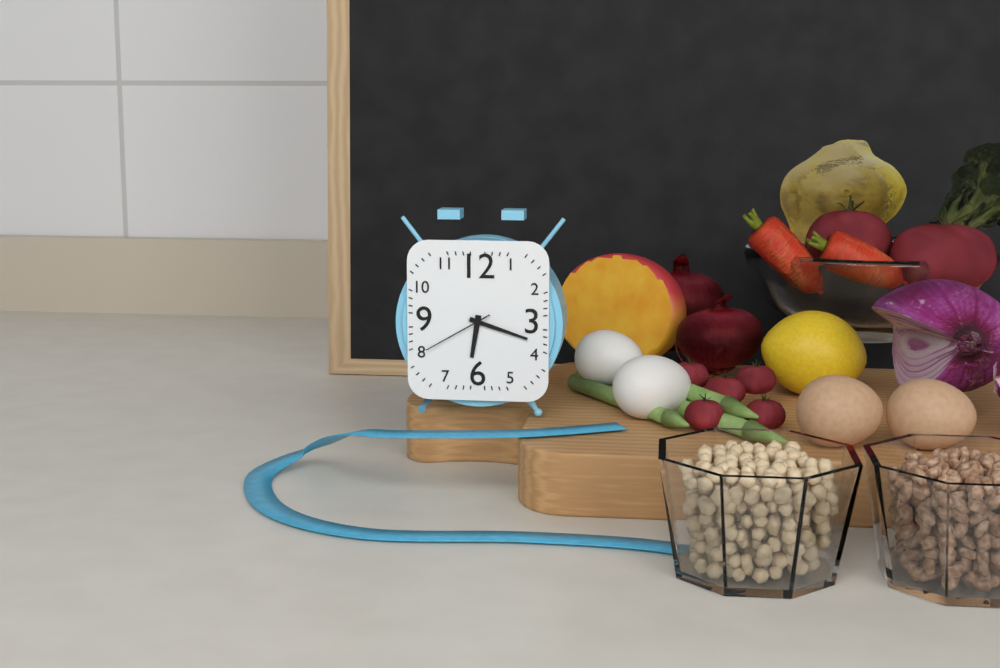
{"hour": 6, "minute": 18, "second": 40}
